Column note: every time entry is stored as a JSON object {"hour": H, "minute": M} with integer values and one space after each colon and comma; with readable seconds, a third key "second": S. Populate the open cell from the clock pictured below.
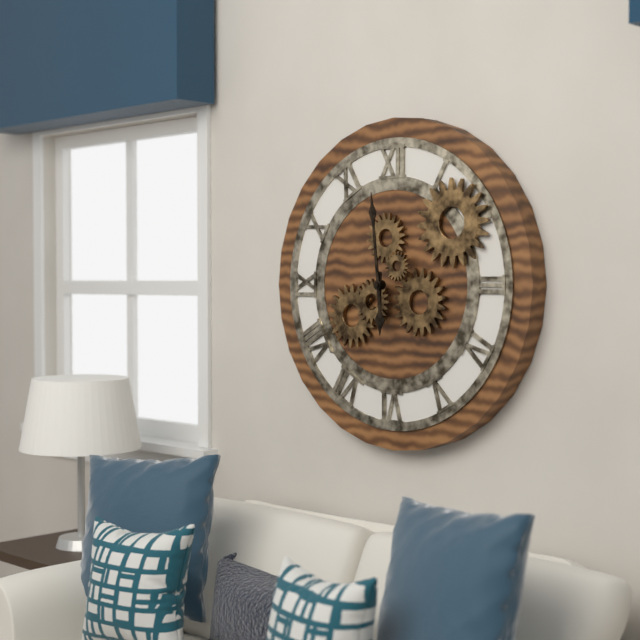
{"hour": 5, "minute": 59}
